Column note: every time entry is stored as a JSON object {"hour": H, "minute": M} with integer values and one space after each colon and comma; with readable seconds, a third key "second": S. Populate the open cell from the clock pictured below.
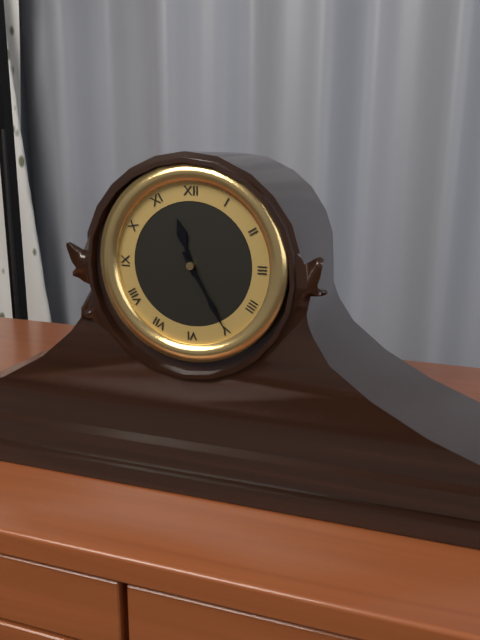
{"hour": 11, "minute": 25}
